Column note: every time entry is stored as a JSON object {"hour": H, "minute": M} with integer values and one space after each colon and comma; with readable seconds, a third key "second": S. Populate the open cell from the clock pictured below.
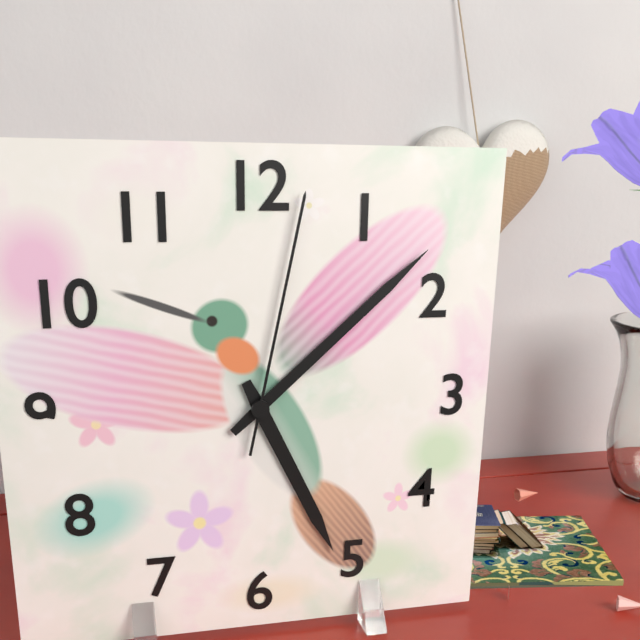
{"hour": 5, "minute": 8, "second": 2}
